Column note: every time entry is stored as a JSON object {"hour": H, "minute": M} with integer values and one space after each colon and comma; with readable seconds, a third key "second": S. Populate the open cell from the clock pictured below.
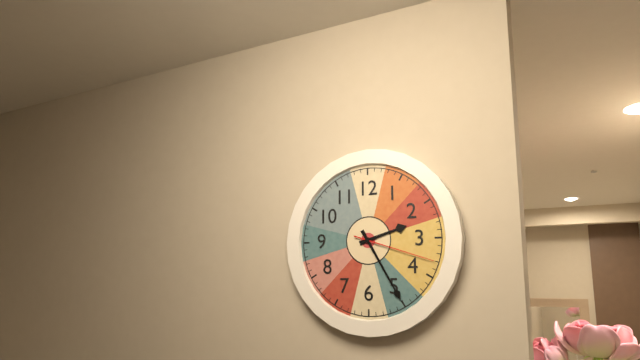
{"hour": 2, "minute": 25, "second": 18}
